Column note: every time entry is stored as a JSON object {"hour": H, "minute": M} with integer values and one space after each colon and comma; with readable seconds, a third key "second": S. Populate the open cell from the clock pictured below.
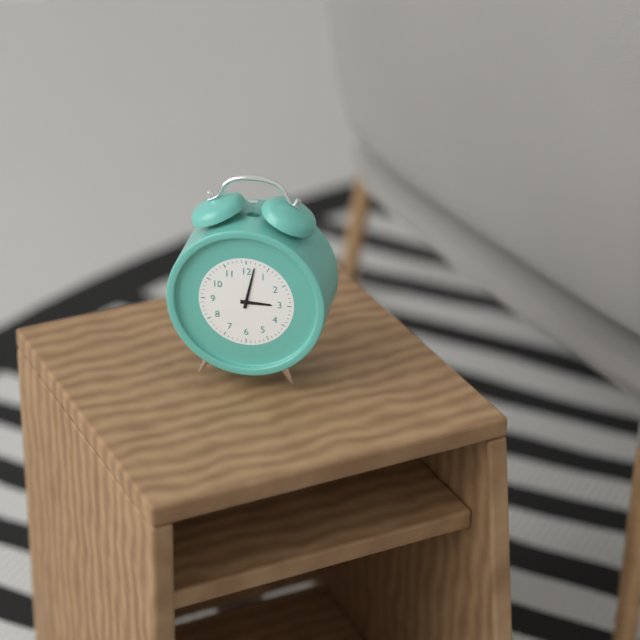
{"hour": 3, "minute": 2}
